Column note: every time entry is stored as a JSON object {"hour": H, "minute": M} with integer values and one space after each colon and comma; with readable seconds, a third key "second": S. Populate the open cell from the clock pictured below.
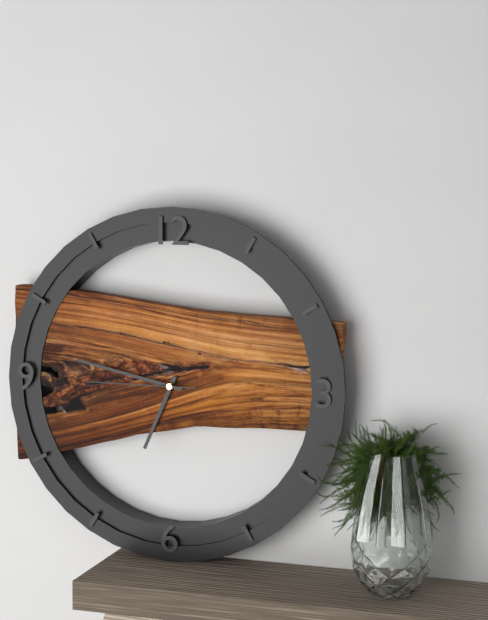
{"hour": 6, "minute": 47, "second": 45}
